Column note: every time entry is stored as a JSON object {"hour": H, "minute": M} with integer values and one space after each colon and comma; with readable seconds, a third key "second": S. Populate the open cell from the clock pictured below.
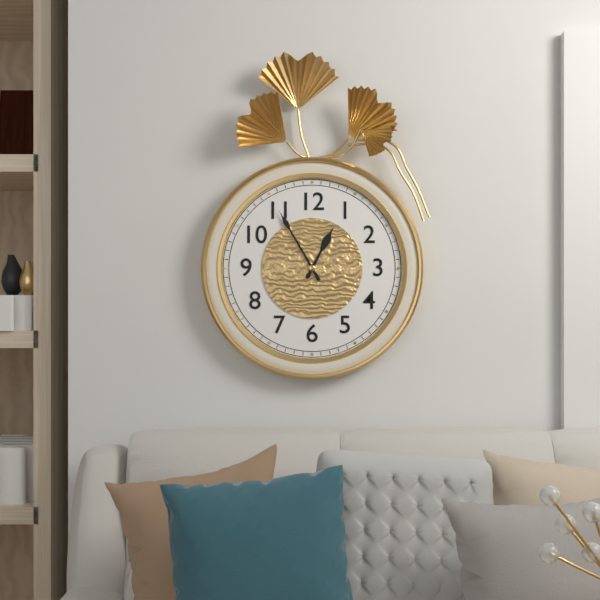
{"hour": 12, "minute": 55}
